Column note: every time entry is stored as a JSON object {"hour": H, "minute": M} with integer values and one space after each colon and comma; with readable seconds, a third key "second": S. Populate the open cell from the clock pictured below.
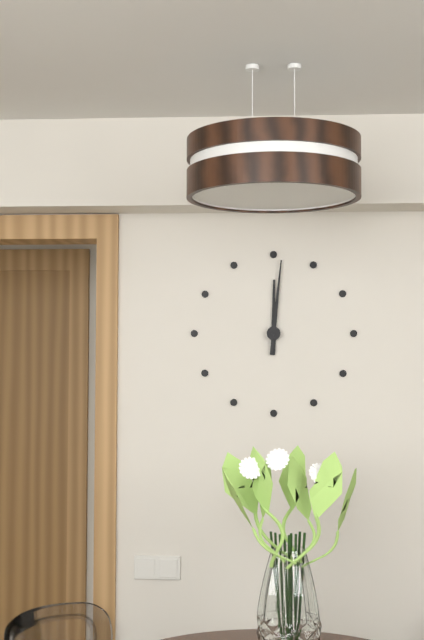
{"hour": 12, "minute": 1}
